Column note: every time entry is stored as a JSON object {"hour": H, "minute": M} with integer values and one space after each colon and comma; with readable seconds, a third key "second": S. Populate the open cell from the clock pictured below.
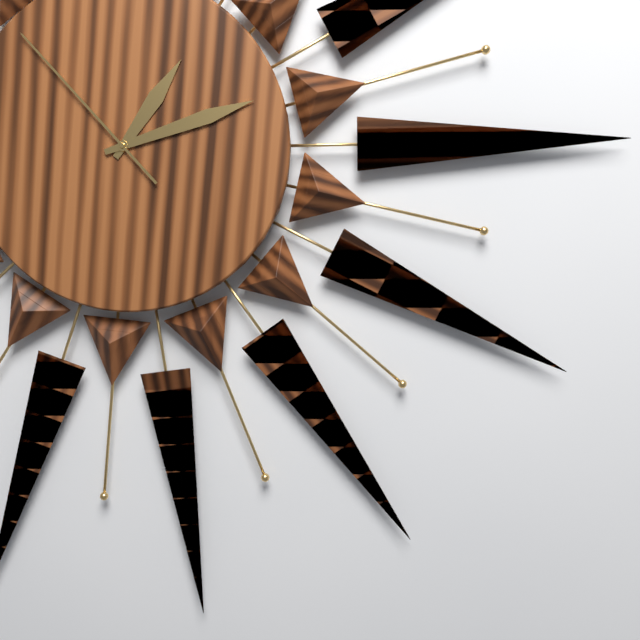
{"hour": 1, "minute": 12, "second": 53}
